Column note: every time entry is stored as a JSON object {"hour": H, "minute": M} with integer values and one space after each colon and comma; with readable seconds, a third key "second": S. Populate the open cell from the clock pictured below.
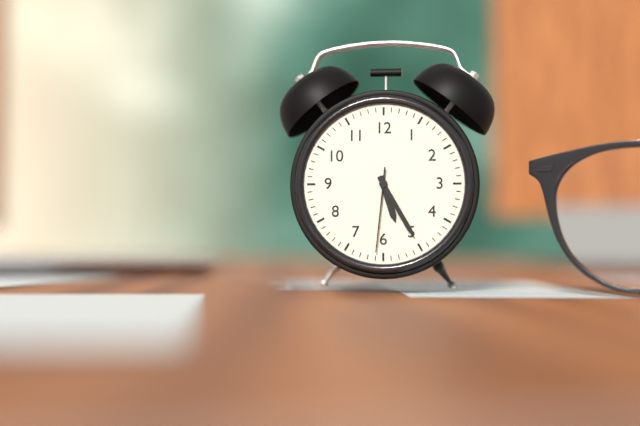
{"hour": 5, "minute": 25, "second": 31}
